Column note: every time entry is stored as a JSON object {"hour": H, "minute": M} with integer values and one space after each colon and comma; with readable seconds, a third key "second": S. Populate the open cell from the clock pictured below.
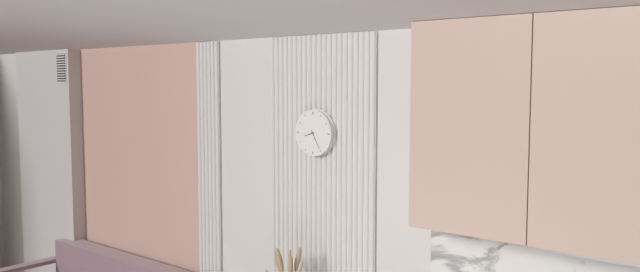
{"hour": 8, "minute": 25}
